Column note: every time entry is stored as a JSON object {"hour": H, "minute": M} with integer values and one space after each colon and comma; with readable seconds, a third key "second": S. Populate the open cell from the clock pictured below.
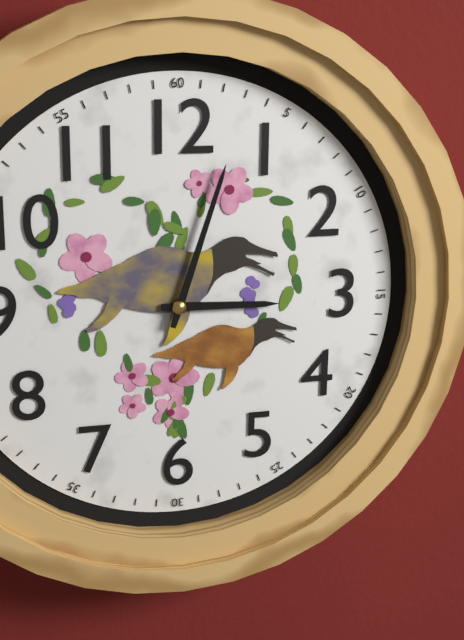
{"hour": 3, "minute": 3}
